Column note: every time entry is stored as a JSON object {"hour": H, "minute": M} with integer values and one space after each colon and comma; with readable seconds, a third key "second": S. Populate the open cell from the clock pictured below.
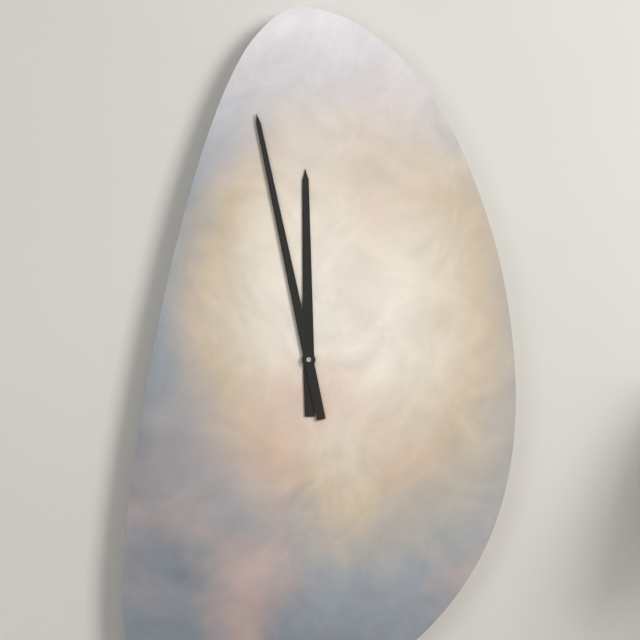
{"hour": 11, "minute": 58}
